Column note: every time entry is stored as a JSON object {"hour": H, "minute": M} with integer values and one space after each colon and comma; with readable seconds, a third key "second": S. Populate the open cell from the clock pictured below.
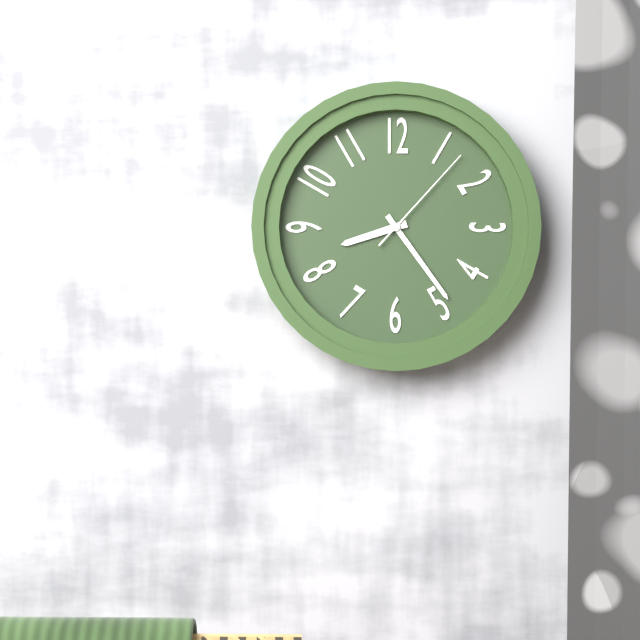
{"hour": 8, "minute": 24, "second": 7}
